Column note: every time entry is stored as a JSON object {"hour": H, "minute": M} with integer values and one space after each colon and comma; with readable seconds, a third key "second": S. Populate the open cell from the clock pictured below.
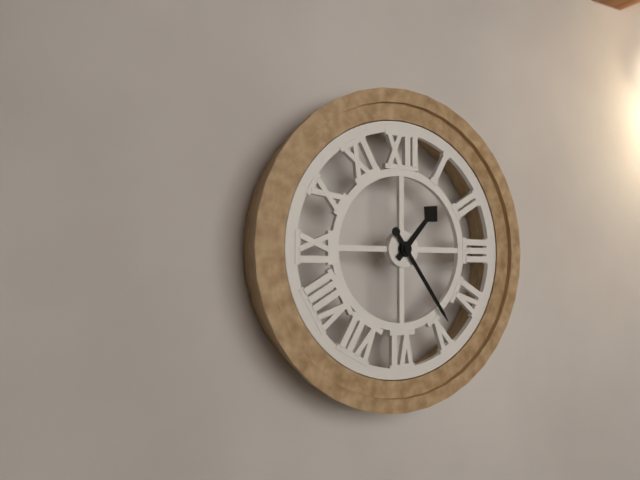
{"hour": 1, "minute": 24}
